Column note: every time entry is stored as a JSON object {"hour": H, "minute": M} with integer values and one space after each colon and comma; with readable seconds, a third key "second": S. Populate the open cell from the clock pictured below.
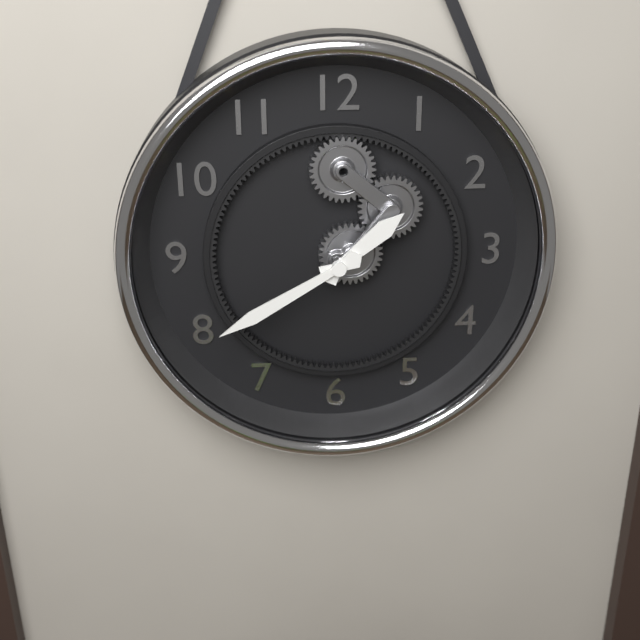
{"hour": 1, "minute": 40}
